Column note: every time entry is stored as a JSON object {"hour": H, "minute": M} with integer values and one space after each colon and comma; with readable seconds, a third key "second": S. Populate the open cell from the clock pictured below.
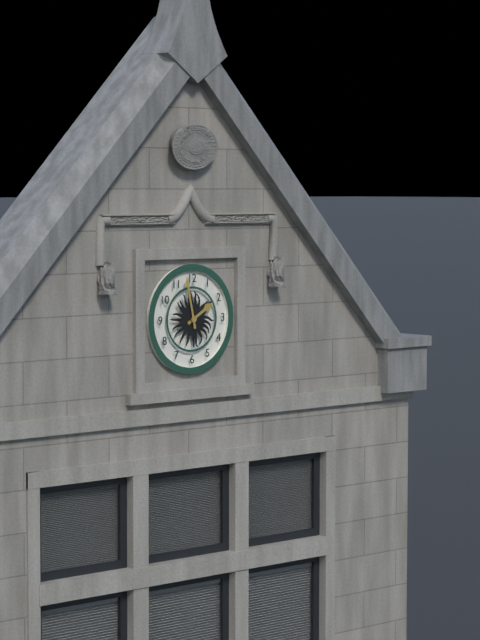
{"hour": 1, "minute": 58}
